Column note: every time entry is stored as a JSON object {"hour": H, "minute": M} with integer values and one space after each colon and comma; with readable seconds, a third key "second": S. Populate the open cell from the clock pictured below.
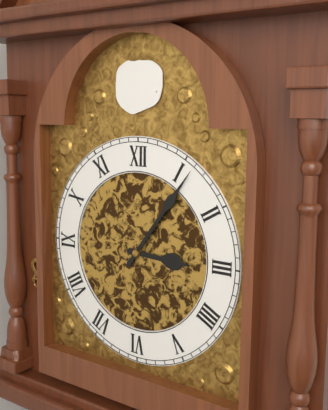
{"hour": 3, "minute": 6}
